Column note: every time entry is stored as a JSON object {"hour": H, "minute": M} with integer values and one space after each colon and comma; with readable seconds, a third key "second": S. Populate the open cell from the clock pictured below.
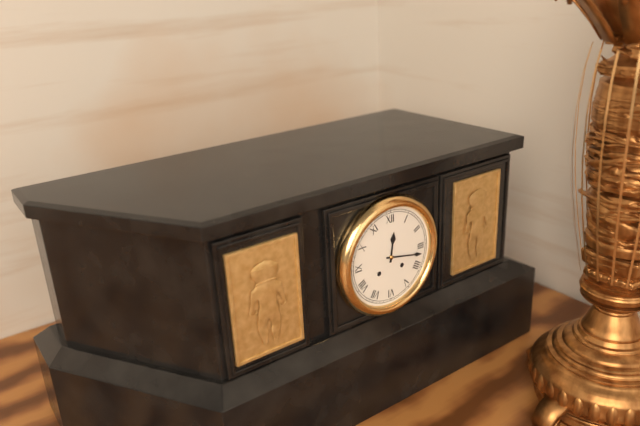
{"hour": 12, "minute": 17}
